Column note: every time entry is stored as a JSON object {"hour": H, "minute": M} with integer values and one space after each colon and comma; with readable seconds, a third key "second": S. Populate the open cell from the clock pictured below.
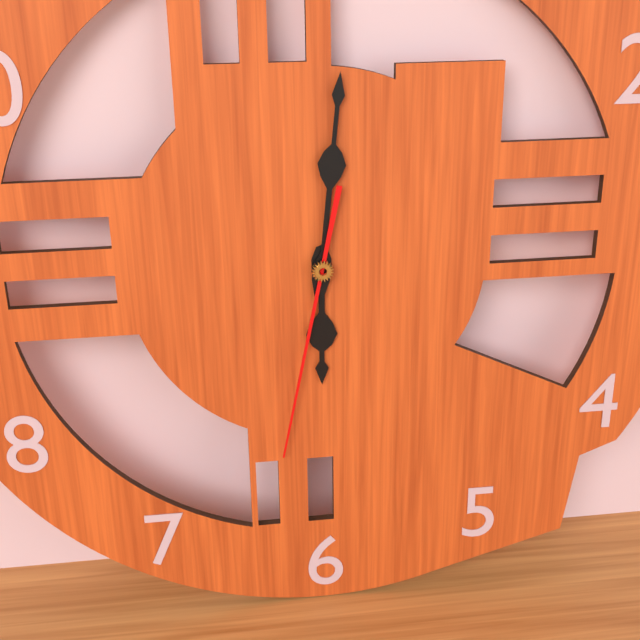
{"hour": 6, "minute": 1, "second": 32}
